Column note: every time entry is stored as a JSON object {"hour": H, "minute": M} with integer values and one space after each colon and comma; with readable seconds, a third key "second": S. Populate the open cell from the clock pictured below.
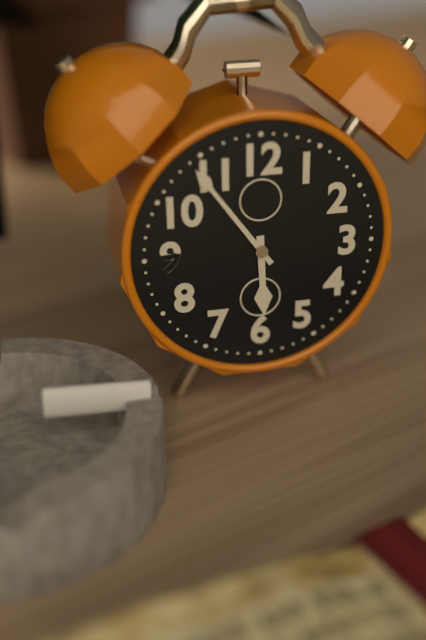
{"hour": 5, "minute": 54}
